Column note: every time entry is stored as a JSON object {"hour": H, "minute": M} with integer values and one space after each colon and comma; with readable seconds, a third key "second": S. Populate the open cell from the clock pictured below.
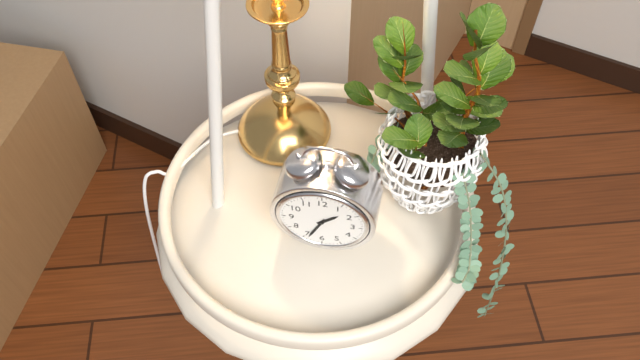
{"hour": 1, "minute": 34}
